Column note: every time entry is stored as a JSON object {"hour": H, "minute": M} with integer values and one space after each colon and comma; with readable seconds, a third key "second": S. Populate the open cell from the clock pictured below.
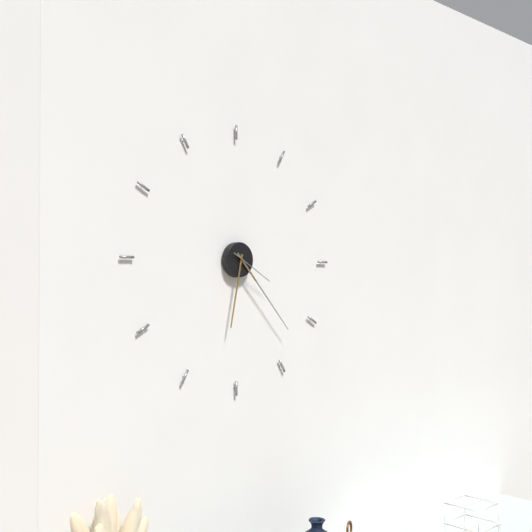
{"hour": 6, "minute": 23}
